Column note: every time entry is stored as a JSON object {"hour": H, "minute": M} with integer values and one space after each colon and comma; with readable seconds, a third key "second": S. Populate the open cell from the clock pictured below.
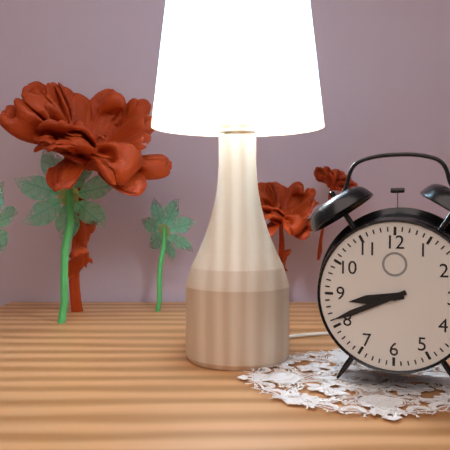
{"hour": 8, "minute": 41}
